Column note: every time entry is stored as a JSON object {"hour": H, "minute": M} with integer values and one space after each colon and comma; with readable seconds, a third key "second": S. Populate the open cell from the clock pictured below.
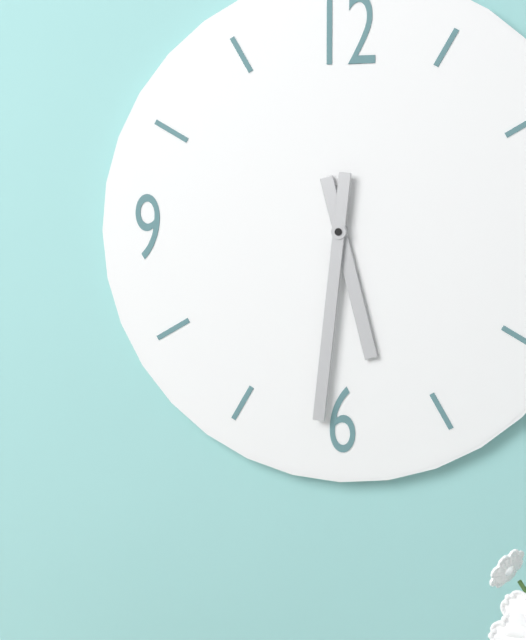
{"hour": 5, "minute": 31}
